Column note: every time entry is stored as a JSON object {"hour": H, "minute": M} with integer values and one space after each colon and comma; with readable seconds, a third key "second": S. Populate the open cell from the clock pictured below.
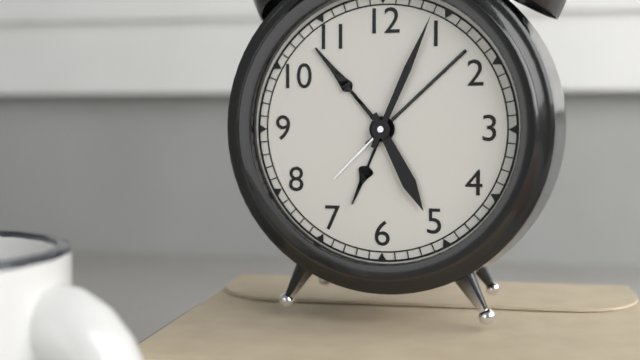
{"hour": 5, "minute": 4}
